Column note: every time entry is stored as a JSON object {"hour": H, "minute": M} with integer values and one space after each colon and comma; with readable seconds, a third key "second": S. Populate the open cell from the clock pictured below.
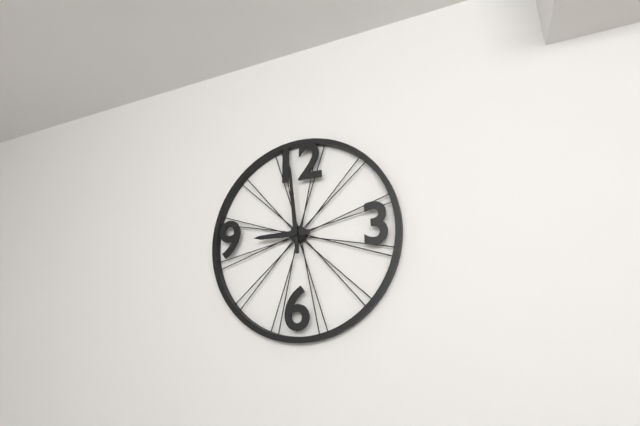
{"hour": 8, "minute": 59}
